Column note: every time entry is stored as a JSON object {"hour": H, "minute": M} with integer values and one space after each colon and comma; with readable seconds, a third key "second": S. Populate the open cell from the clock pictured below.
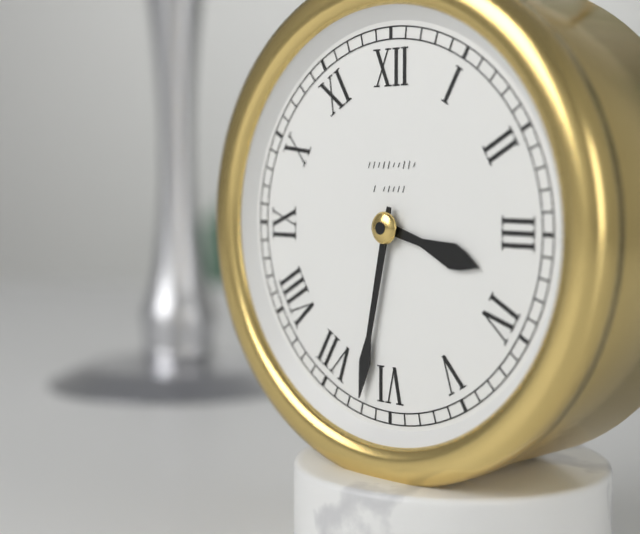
{"hour": 3, "minute": 32}
